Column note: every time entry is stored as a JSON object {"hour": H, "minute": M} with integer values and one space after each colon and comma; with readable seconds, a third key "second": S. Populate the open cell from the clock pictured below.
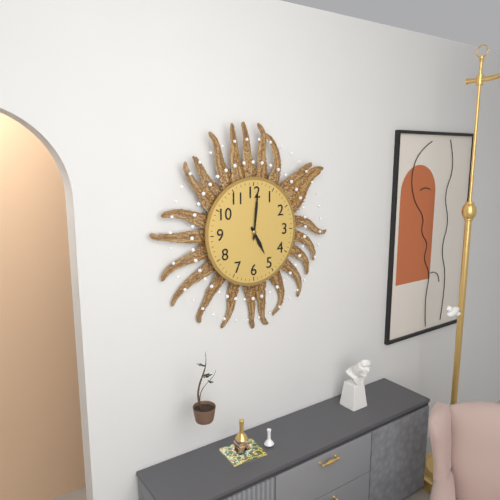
{"hour": 5, "minute": 1}
